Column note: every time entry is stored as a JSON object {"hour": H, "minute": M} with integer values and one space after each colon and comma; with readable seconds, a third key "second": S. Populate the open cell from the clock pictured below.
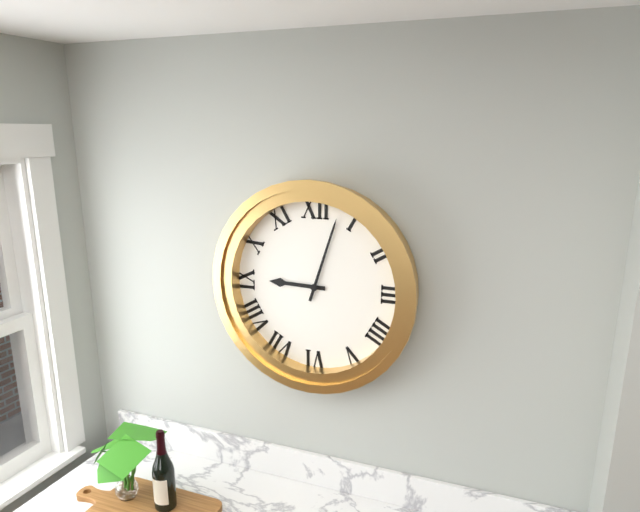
{"hour": 9, "minute": 3}
